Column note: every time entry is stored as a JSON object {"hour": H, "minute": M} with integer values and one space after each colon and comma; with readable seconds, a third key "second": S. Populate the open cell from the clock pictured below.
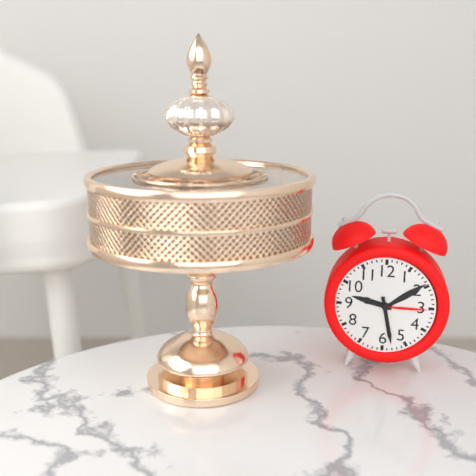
{"hour": 9, "minute": 28}
